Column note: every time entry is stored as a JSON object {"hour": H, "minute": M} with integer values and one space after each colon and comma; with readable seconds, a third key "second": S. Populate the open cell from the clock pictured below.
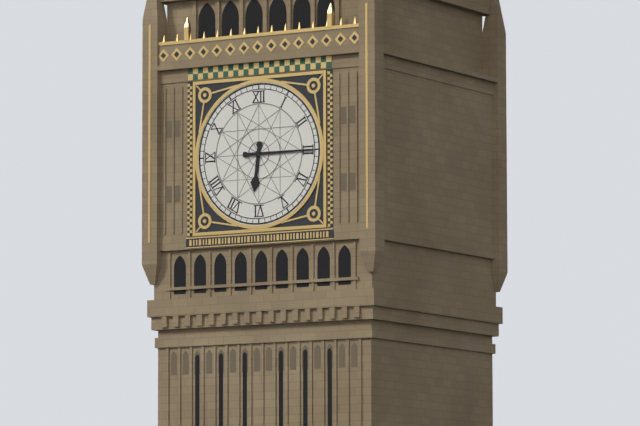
{"hour": 6, "minute": 15}
